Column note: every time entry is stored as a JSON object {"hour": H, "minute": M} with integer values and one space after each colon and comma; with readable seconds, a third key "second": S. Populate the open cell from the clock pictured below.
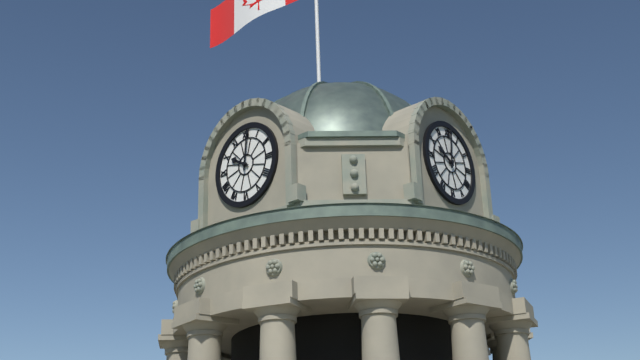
{"hour": 10, "minute": 1}
